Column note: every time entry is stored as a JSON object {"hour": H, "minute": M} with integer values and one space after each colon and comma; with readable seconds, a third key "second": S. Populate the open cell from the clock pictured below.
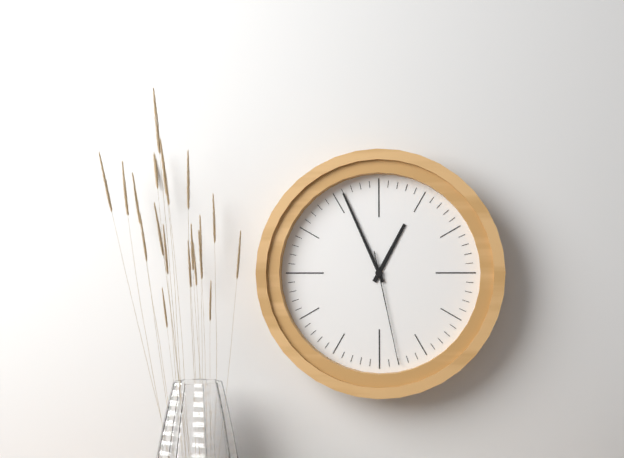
{"hour": 12, "minute": 56, "second": 28}
